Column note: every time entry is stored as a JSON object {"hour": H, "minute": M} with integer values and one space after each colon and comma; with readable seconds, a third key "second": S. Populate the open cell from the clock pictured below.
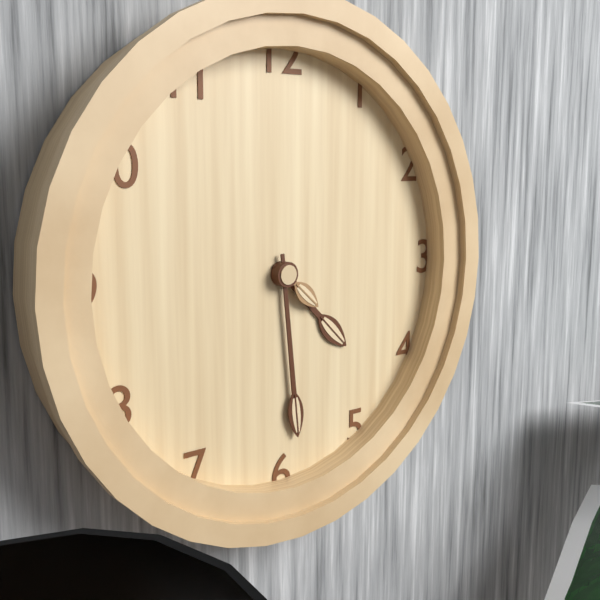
{"hour": 4, "minute": 29, "second": 22}
